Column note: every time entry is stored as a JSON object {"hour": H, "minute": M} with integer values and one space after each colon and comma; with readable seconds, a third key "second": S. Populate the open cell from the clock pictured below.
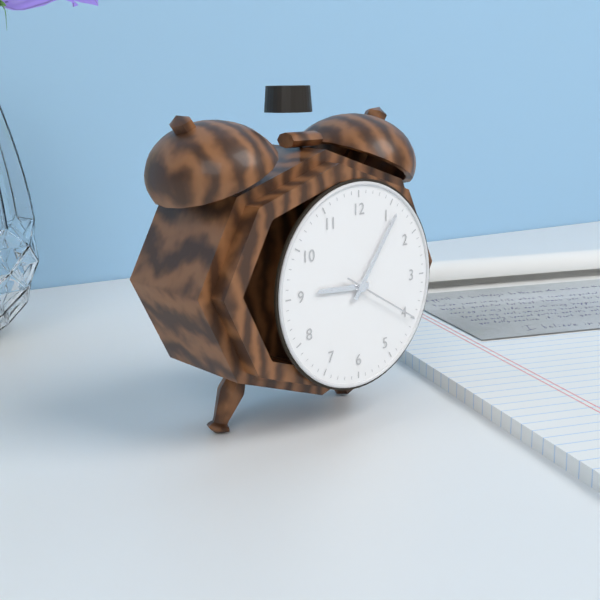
{"hour": 9, "minute": 6, "second": 20}
